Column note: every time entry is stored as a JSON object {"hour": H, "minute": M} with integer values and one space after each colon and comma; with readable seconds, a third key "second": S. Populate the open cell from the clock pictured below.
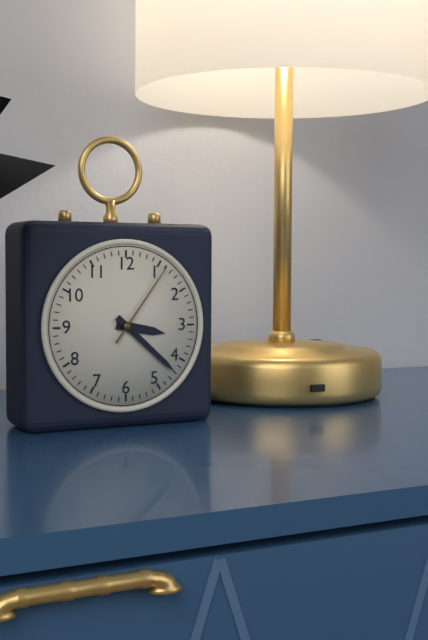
{"hour": 3, "minute": 22, "second": 6}
